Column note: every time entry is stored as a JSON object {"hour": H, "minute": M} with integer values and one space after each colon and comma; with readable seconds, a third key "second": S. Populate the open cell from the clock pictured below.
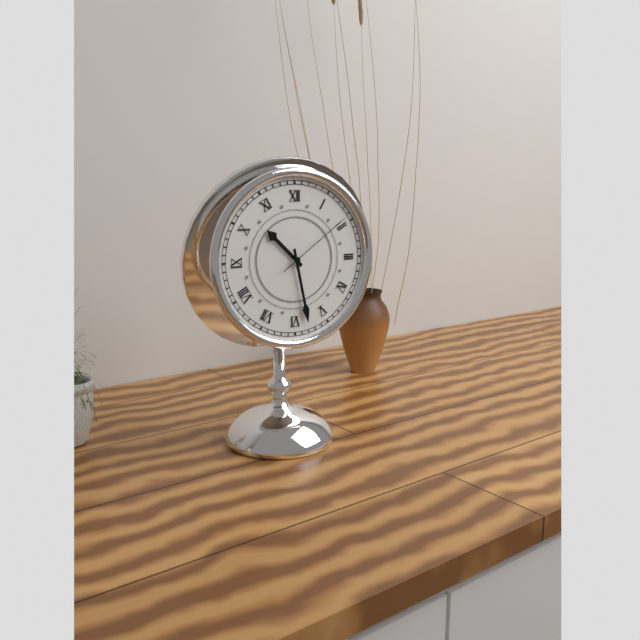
{"hour": 10, "minute": 28, "second": 9}
